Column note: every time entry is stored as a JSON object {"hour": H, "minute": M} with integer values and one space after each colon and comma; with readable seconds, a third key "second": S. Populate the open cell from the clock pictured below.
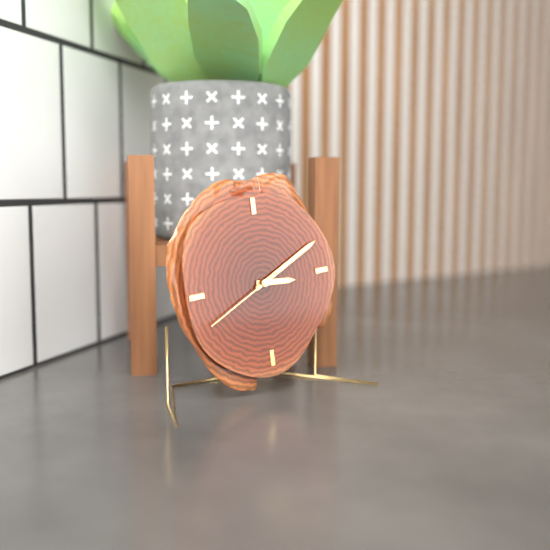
{"hour": 3, "minute": 11, "second": 41}
